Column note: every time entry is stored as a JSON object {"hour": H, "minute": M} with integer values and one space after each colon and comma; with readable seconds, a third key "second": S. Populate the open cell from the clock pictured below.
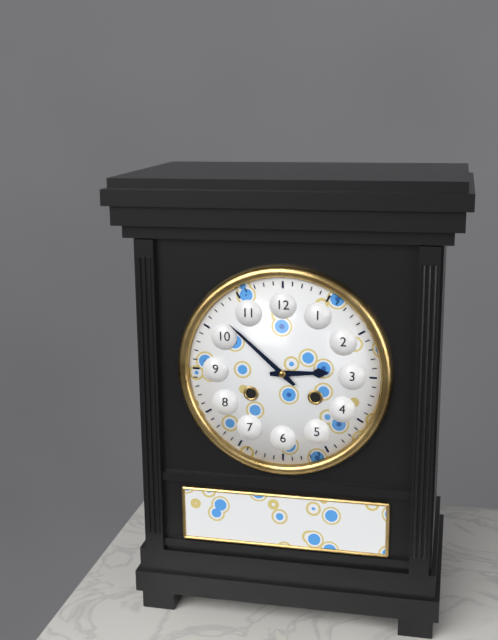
{"hour": 2, "minute": 52}
